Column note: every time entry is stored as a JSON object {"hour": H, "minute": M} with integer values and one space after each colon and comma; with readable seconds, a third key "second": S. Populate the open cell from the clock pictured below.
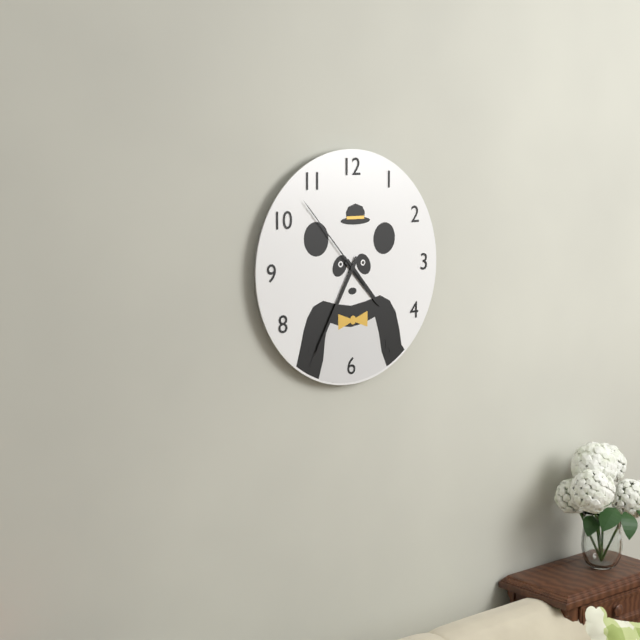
{"hour": 4, "minute": 35, "second": 53}
